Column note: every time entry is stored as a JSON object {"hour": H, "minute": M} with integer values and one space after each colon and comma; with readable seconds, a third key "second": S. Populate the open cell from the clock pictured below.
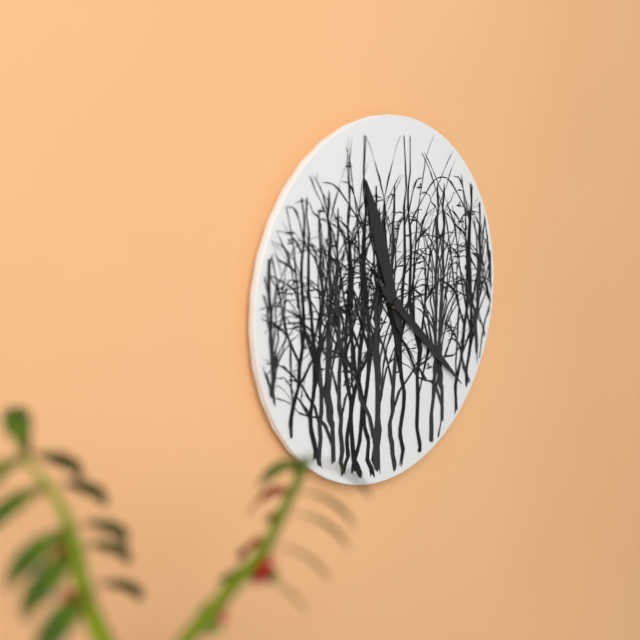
{"hour": 11, "minute": 22}
